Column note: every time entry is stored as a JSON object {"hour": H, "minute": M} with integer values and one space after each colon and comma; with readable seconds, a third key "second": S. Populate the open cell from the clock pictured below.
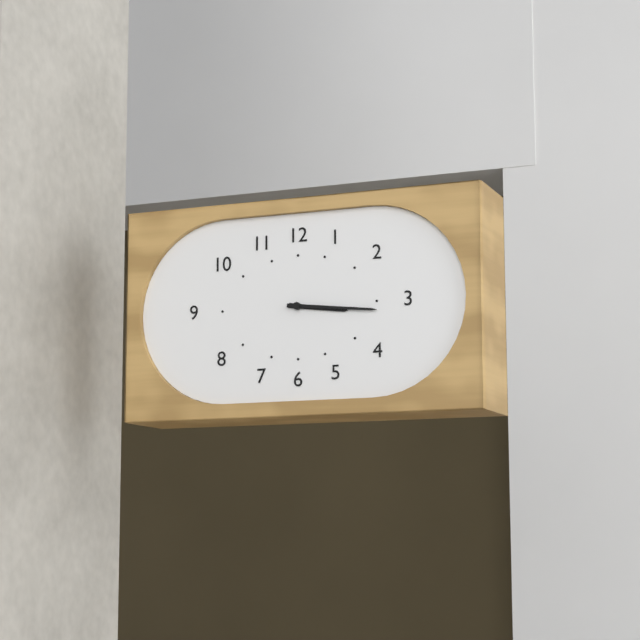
{"hour": 3, "minute": 16}
